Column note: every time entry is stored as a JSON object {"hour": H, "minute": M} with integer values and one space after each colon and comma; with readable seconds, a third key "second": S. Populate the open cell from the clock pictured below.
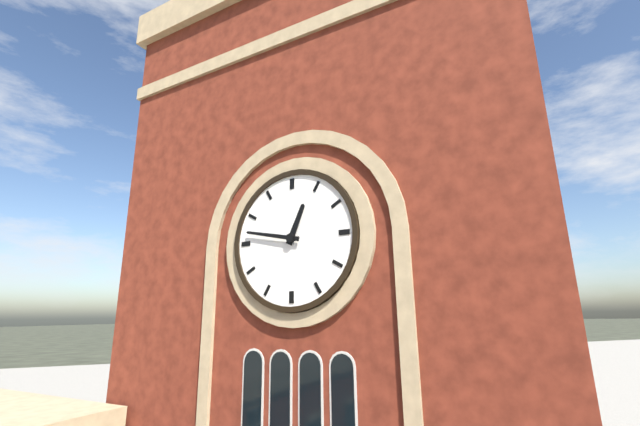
{"hour": 12, "minute": 47}
